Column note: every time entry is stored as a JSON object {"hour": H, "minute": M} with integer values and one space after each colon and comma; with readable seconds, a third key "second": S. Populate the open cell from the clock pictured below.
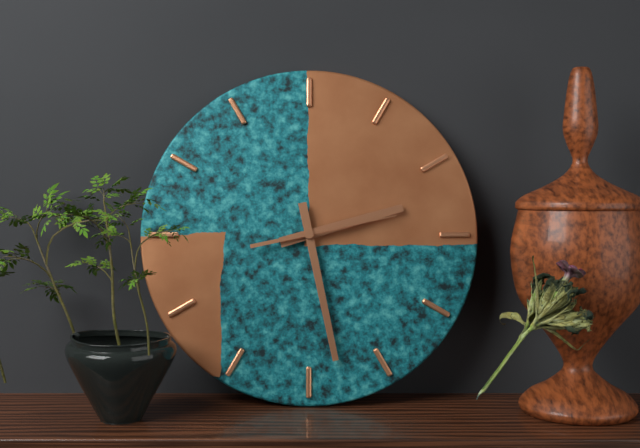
{"hour": 2, "minute": 28, "second": 13}
